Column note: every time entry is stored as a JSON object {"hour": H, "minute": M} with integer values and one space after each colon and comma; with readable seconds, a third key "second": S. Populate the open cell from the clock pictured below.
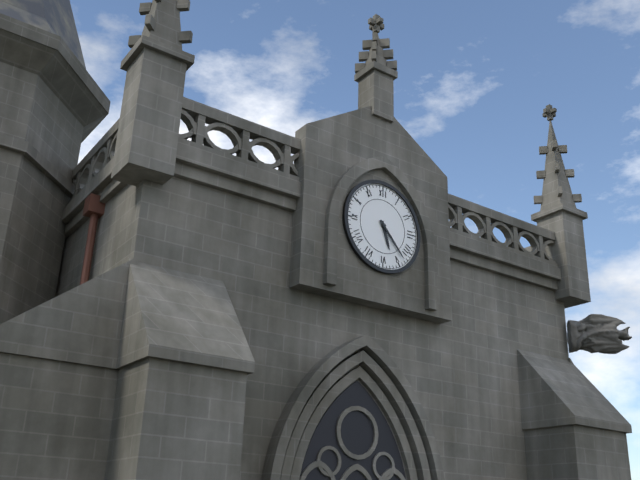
{"hour": 5, "minute": 23}
